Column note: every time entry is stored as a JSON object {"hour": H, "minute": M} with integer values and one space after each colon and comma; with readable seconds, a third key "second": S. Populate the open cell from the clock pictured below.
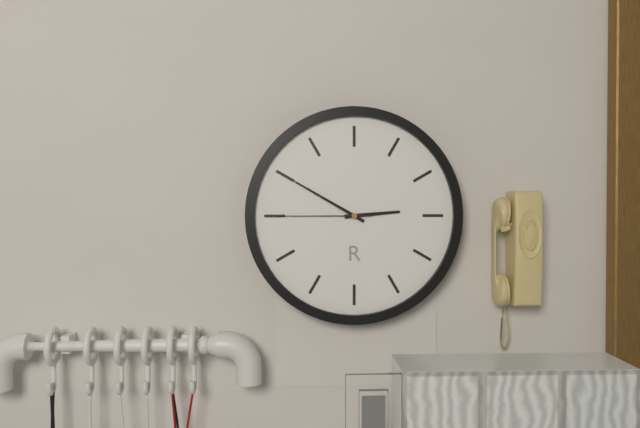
{"hour": 2, "minute": 50, "second": 45}
